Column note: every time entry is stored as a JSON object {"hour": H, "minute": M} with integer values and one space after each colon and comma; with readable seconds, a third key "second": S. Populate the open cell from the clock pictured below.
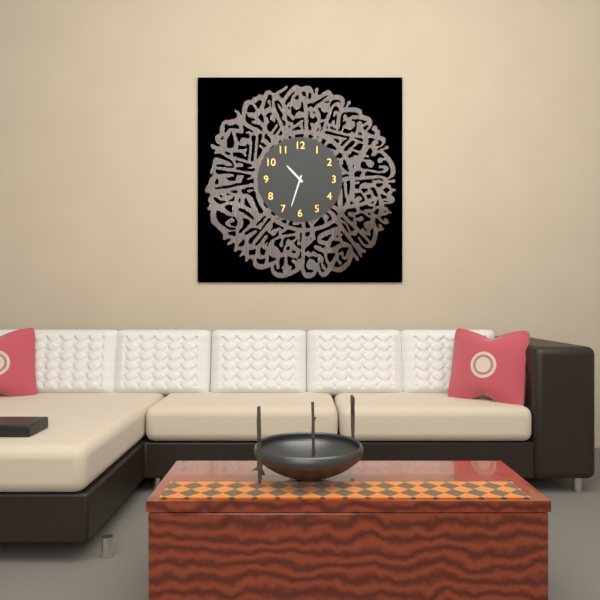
{"hour": 10, "minute": 33}
